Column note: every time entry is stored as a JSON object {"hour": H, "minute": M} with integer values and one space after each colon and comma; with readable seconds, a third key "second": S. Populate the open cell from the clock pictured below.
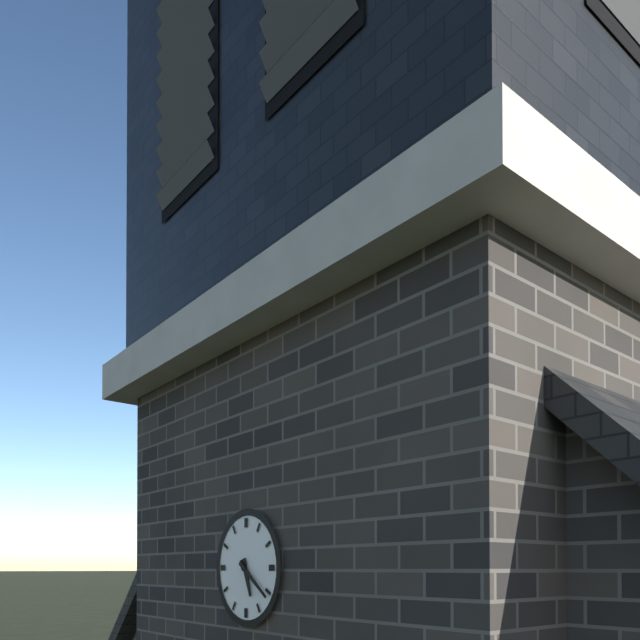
{"hour": 5, "minute": 21}
